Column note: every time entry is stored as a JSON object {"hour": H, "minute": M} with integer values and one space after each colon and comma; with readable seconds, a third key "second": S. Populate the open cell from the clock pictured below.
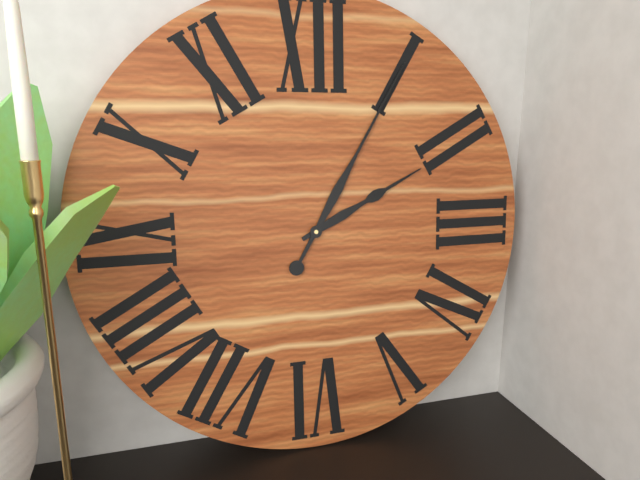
{"hour": 2, "minute": 5}
